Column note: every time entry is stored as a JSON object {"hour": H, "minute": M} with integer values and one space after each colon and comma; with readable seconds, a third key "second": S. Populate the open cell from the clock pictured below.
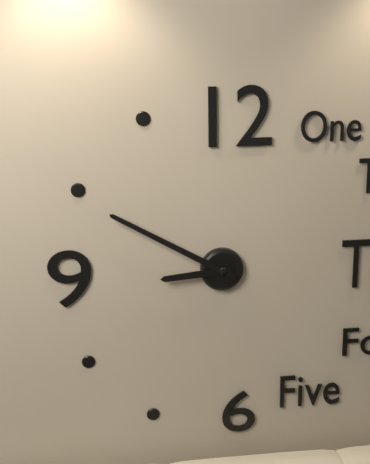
{"hour": 8, "minute": 50}
